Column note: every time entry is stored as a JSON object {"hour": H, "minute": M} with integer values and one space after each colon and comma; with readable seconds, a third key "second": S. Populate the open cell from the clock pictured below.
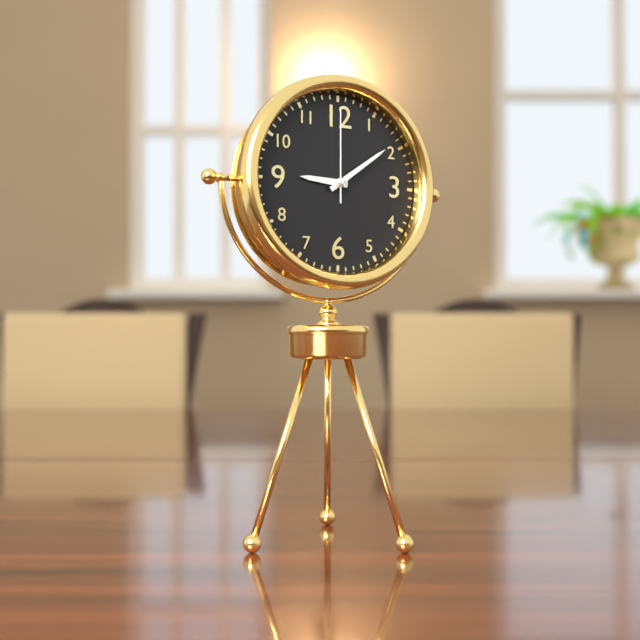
{"hour": 9, "minute": 9, "second": 0}
